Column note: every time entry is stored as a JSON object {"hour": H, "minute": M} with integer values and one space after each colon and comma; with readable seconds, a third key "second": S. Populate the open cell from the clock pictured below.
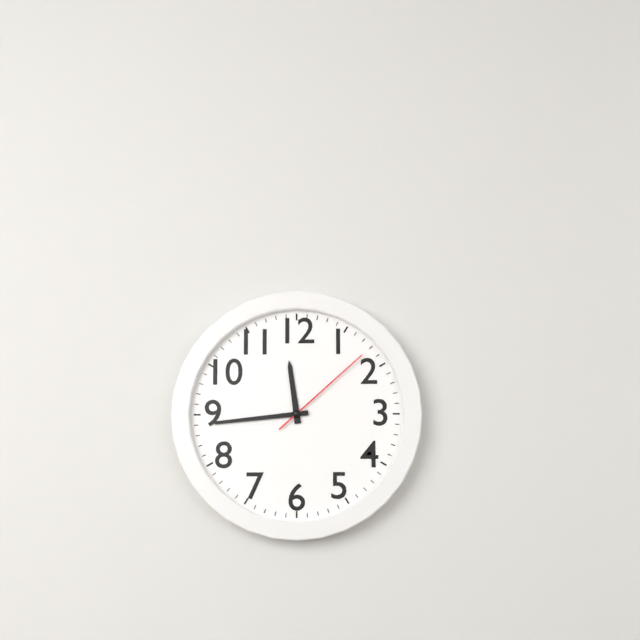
{"hour": 11, "minute": 44, "second": 8}
